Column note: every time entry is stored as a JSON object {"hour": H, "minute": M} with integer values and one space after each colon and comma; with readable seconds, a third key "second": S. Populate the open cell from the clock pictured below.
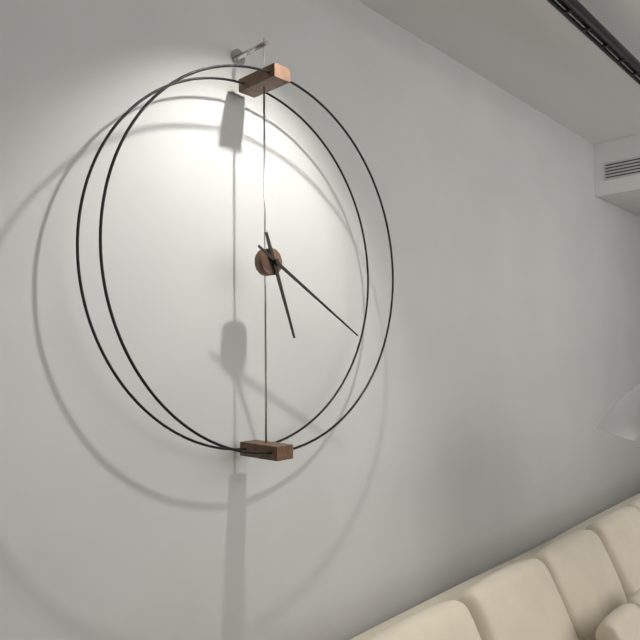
{"hour": 5, "minute": 20}
